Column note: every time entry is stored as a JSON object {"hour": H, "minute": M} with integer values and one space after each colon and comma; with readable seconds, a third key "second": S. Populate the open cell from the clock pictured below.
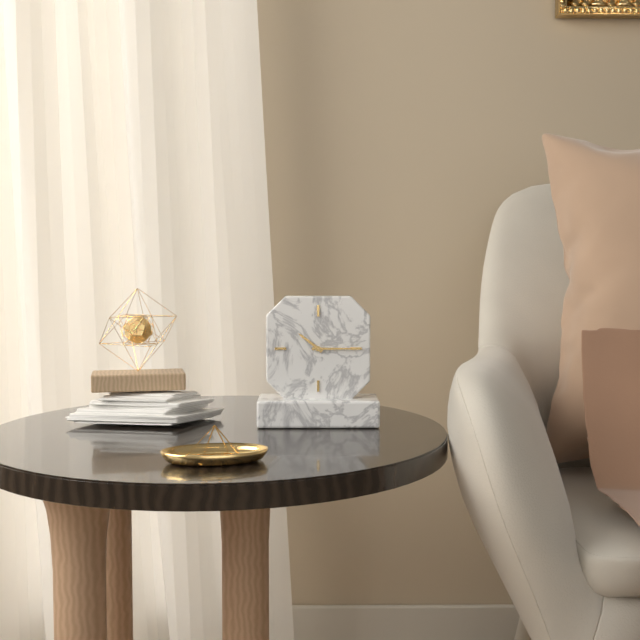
{"hour": 10, "minute": 15}
